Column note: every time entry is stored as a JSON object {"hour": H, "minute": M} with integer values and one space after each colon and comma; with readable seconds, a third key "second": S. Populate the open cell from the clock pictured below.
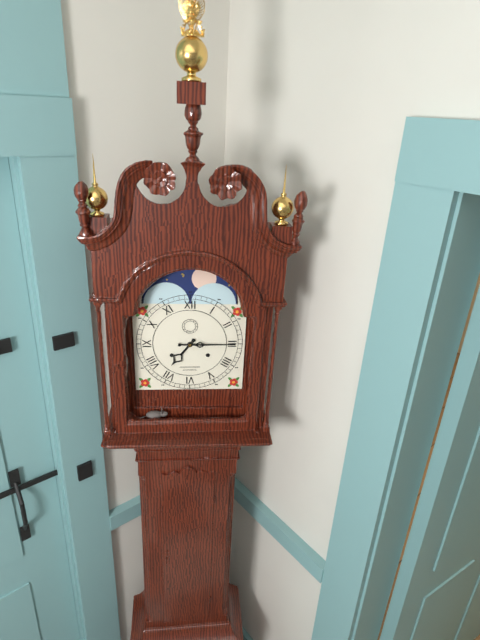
{"hour": 7, "minute": 15}
